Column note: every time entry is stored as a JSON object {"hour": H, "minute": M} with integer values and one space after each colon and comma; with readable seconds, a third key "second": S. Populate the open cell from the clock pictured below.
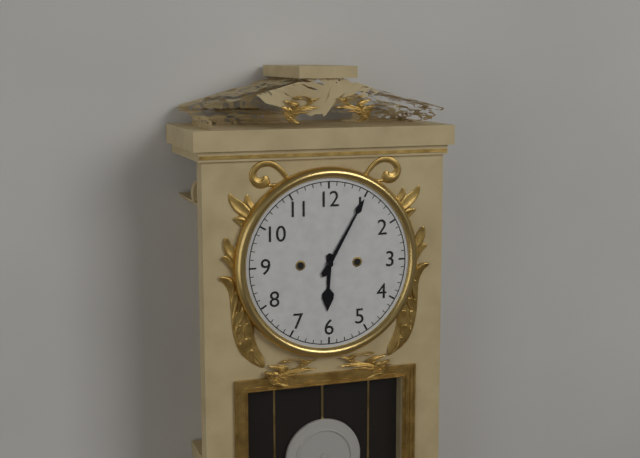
{"hour": 6, "minute": 5}
